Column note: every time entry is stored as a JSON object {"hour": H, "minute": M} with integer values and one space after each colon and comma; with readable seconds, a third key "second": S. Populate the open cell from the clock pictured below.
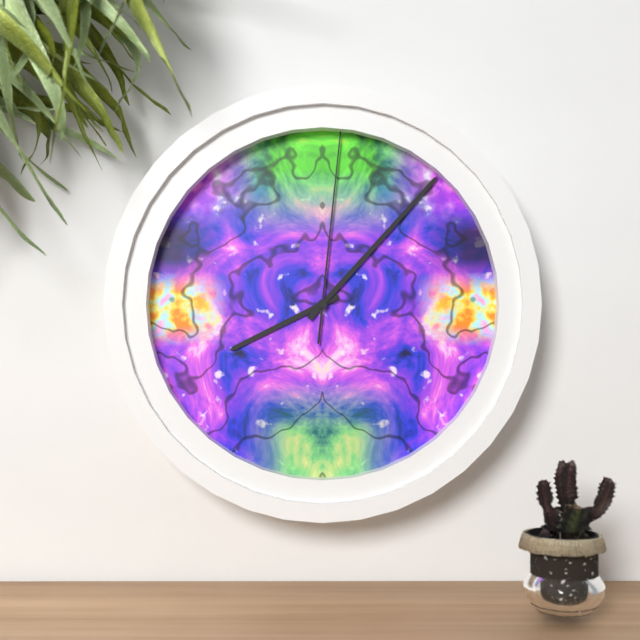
{"hour": 8, "minute": 7, "second": 1}
